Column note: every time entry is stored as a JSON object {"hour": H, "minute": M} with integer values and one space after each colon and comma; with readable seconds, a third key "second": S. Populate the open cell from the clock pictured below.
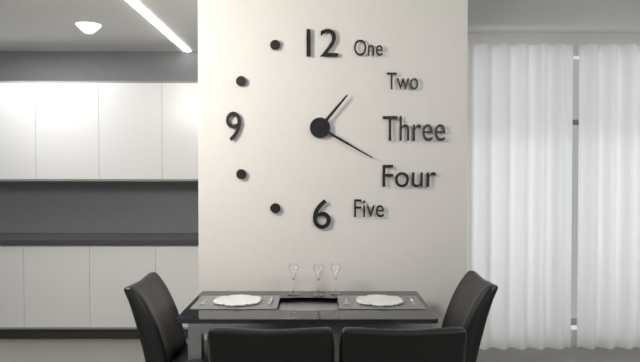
{"hour": 1, "minute": 20}
